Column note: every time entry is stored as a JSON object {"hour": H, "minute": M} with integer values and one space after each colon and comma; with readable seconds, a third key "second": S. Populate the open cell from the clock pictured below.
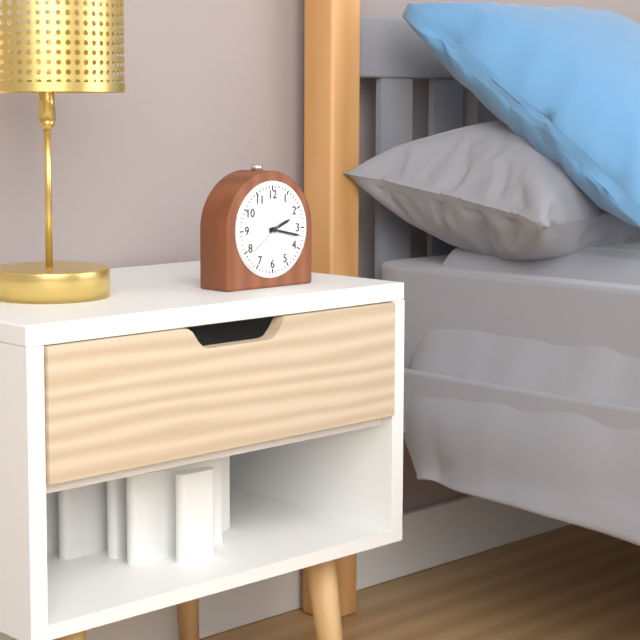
{"hour": 2, "minute": 17}
